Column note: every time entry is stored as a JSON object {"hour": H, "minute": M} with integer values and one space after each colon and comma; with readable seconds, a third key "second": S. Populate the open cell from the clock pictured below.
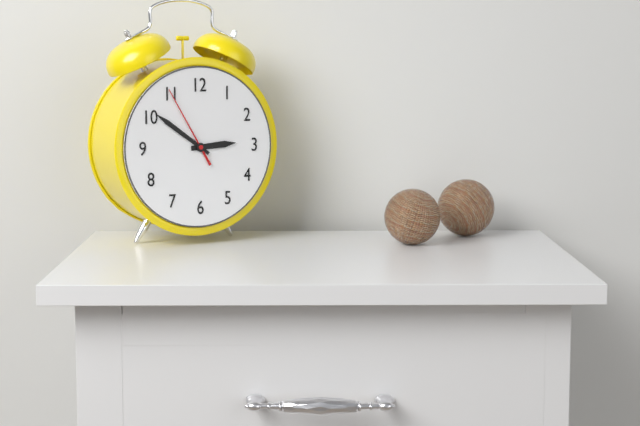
{"hour": 2, "minute": 51, "second": 55}
